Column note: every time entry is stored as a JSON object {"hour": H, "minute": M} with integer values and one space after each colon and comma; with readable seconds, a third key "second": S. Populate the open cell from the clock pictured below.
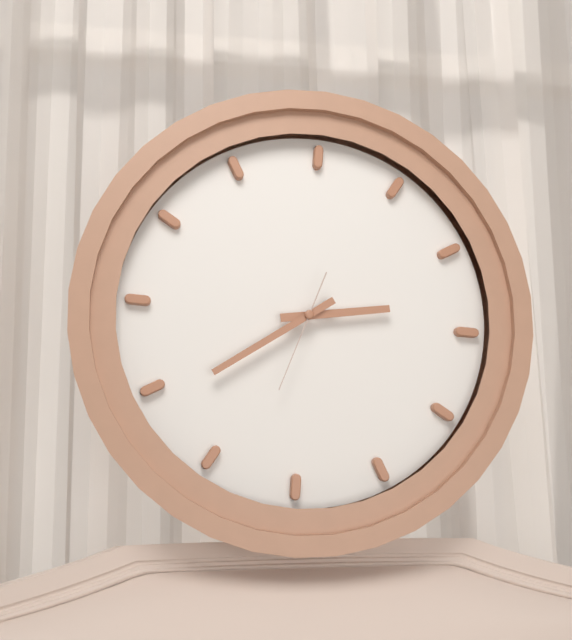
{"hour": 2, "minute": 39, "second": 33}
